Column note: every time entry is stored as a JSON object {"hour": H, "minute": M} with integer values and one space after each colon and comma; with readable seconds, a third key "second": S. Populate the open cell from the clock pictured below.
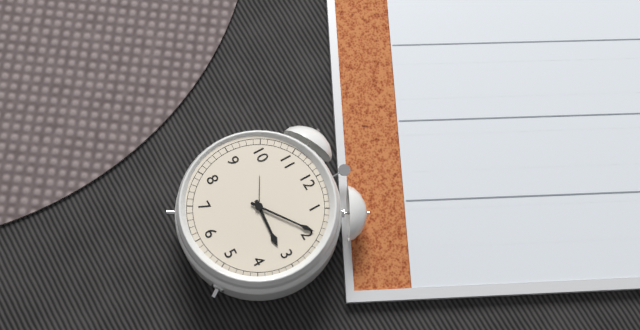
{"hour": 3, "minute": 9}
